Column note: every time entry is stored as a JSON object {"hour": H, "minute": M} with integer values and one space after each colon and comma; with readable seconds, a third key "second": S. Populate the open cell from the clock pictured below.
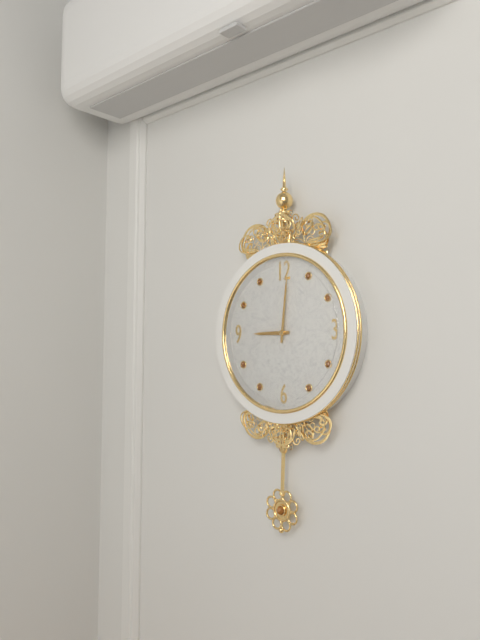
{"hour": 9, "minute": 1}
